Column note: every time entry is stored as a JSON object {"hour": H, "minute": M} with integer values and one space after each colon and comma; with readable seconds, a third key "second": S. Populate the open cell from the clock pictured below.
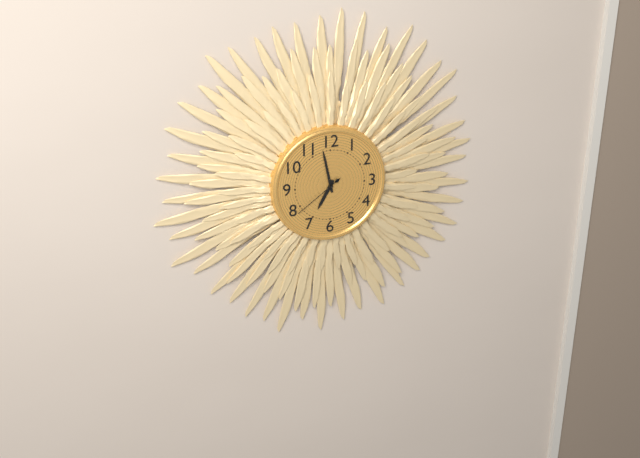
{"hour": 6, "minute": 58, "second": 39}
